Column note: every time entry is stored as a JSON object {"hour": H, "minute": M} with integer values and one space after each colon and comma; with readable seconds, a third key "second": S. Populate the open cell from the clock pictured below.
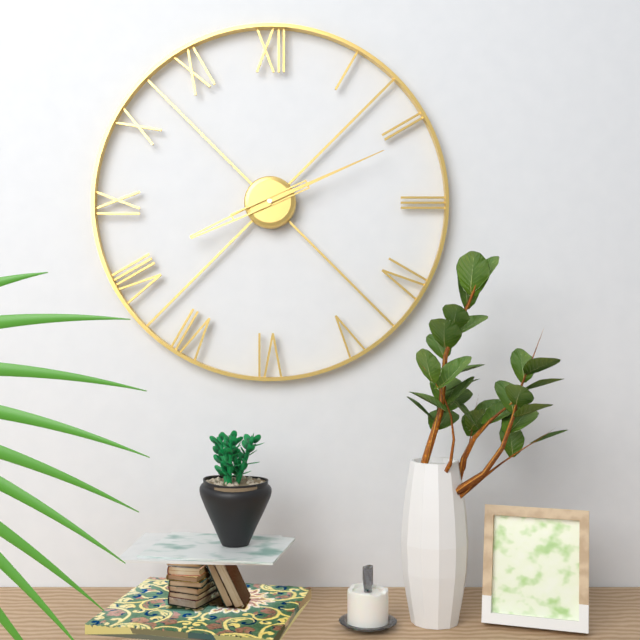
{"hour": 8, "minute": 11}
